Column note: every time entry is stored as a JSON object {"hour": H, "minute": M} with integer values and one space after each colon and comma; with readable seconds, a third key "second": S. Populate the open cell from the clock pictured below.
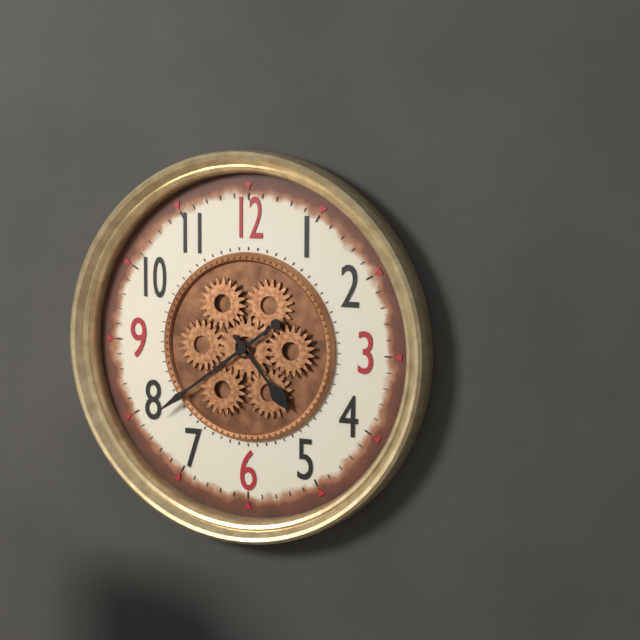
{"hour": 4, "minute": 39}
